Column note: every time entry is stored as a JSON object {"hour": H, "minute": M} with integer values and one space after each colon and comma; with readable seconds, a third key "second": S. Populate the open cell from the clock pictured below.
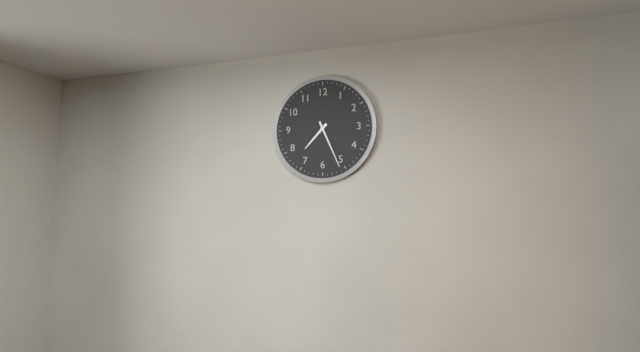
{"hour": 7, "minute": 26}
